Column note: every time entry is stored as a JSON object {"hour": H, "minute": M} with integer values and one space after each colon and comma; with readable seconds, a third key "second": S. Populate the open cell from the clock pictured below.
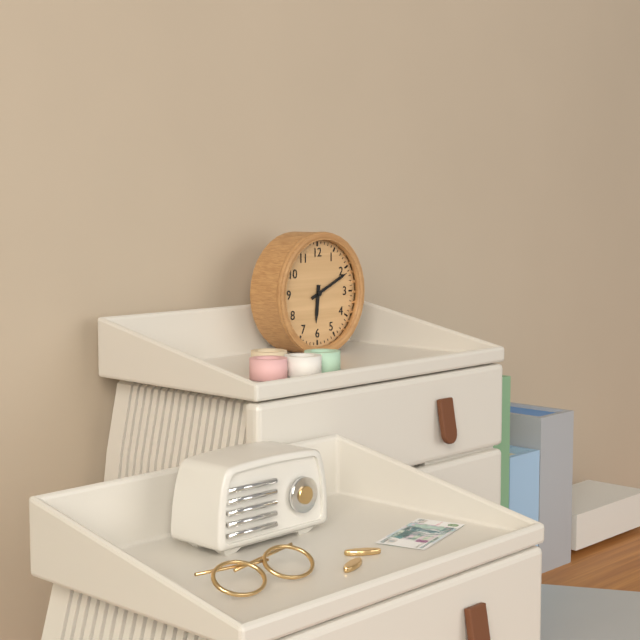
{"hour": 6, "minute": 11}
